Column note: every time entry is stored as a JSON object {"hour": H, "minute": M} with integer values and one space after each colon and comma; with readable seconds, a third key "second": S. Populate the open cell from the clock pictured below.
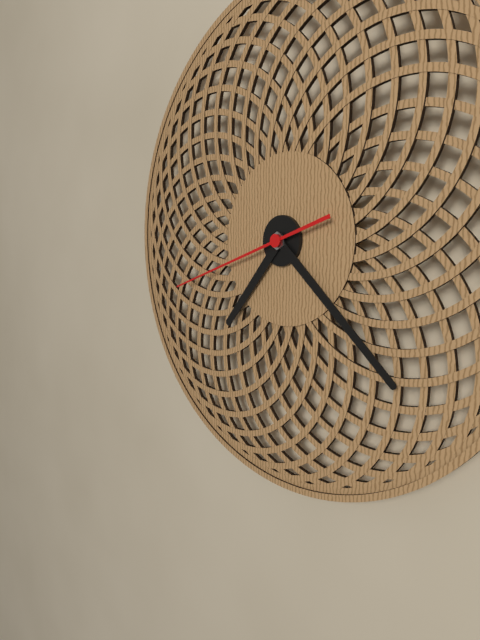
{"hour": 7, "minute": 22, "second": 42}
